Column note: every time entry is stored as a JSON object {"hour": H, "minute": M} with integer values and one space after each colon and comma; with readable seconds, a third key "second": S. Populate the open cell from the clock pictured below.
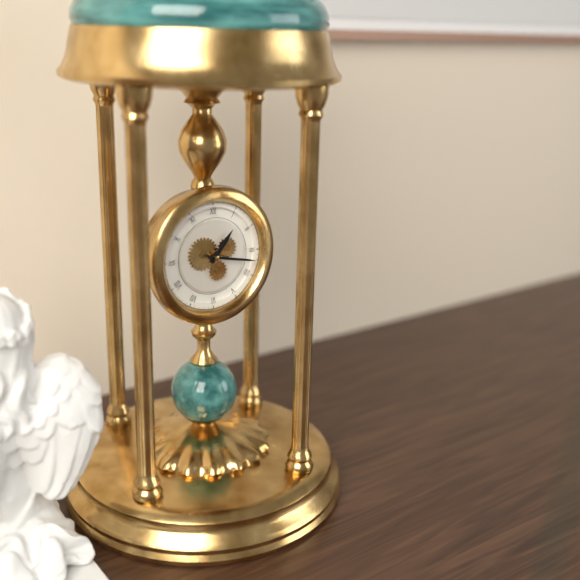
{"hour": 1, "minute": 17}
